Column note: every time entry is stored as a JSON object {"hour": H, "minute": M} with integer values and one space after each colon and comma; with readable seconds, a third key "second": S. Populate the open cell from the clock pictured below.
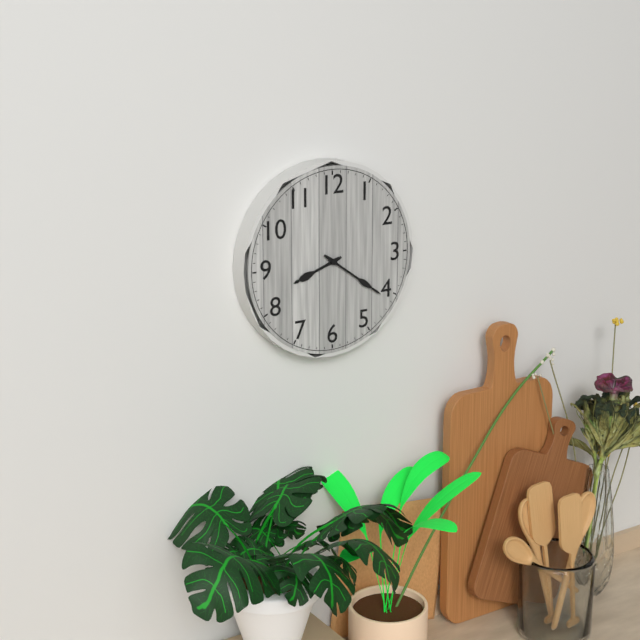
{"hour": 8, "minute": 21}
